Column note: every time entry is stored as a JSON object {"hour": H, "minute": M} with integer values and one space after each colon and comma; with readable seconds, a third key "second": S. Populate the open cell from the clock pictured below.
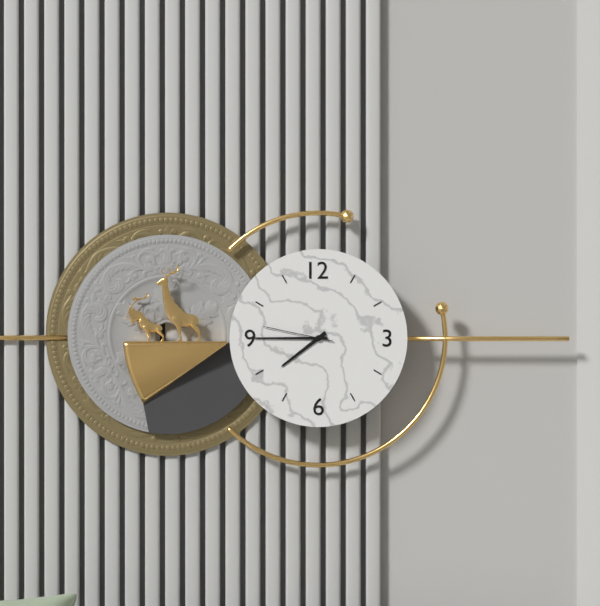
{"hour": 7, "minute": 45, "second": 47}
